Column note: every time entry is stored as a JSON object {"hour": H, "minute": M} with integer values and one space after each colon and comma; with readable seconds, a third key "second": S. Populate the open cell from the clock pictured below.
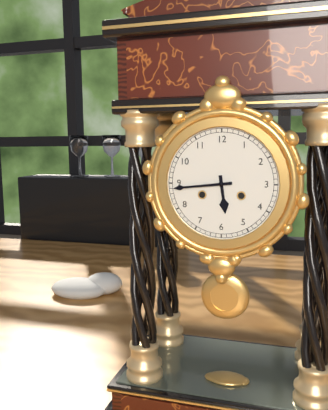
{"hour": 5, "minute": 44}
